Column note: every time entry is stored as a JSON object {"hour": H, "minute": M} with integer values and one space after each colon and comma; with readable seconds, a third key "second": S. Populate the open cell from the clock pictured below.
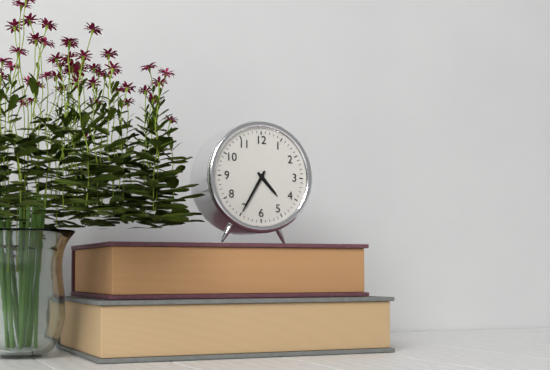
{"hour": 4, "minute": 35}
